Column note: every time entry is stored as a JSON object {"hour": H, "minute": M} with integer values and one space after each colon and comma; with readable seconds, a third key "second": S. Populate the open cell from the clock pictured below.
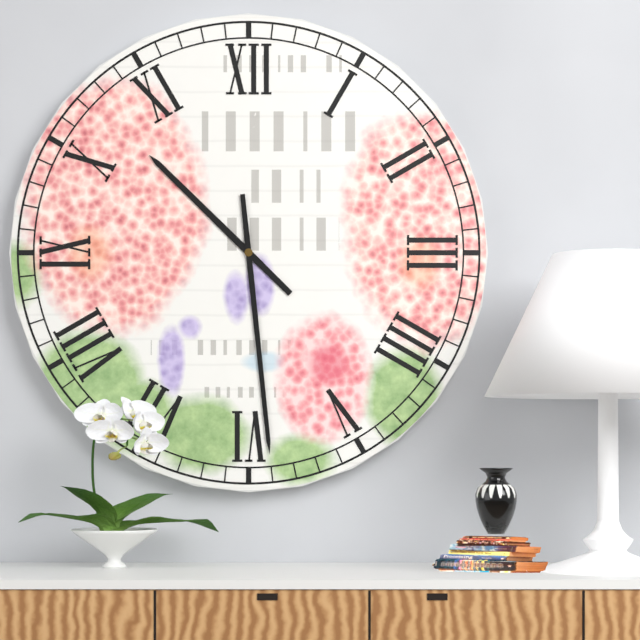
{"hour": 10, "minute": 29}
